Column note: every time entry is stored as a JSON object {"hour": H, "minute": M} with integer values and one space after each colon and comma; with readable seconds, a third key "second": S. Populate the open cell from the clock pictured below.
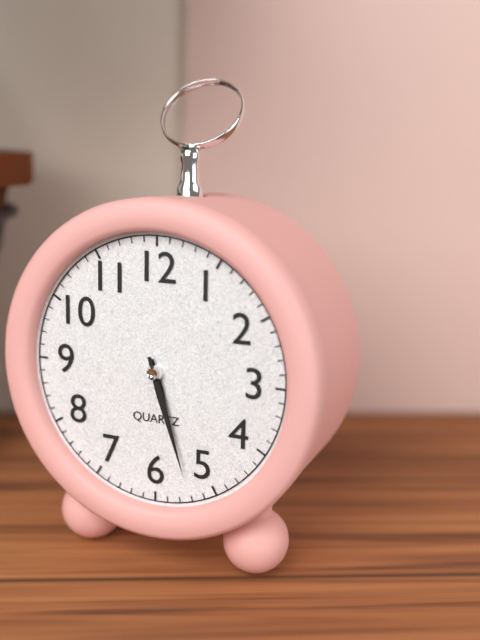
{"hour": 5, "minute": 27}
